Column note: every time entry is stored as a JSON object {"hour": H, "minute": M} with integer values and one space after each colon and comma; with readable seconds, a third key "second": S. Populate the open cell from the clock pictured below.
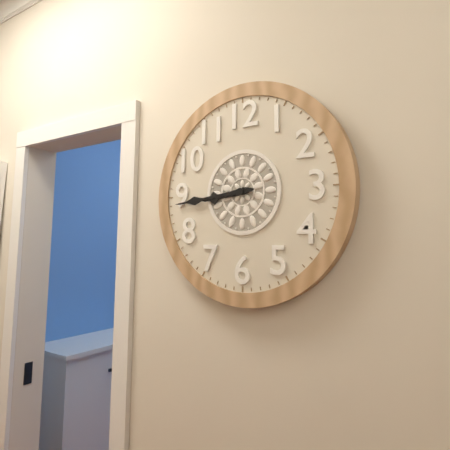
{"hour": 8, "minute": 44}
